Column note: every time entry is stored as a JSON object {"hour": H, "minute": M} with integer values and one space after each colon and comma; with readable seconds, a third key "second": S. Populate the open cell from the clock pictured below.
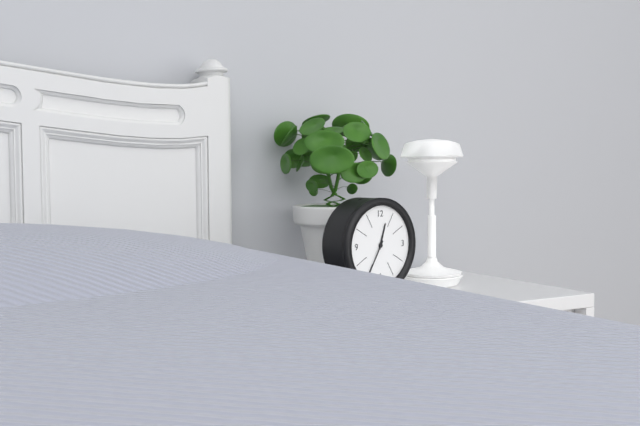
{"hour": 12, "minute": 35}
